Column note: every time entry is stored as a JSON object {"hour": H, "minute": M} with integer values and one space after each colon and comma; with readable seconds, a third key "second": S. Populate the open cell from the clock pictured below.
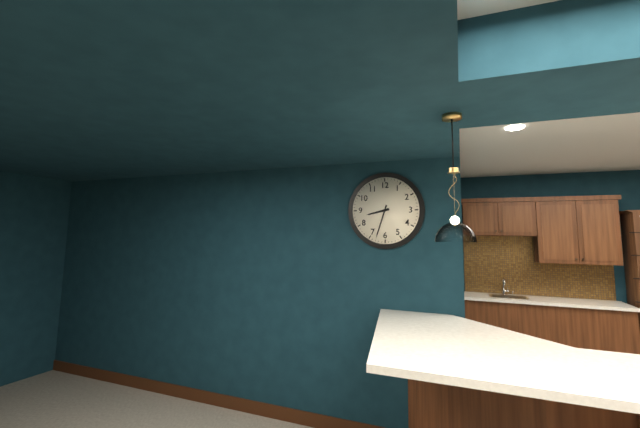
{"hour": 8, "minute": 33}
